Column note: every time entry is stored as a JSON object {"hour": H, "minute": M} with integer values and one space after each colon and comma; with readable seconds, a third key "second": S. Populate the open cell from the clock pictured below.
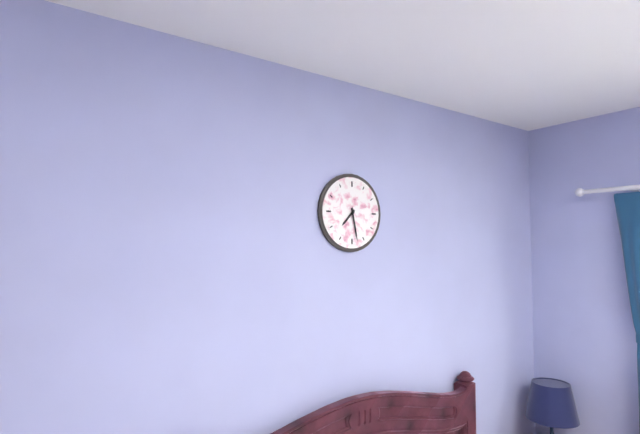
{"hour": 7, "minute": 28}
